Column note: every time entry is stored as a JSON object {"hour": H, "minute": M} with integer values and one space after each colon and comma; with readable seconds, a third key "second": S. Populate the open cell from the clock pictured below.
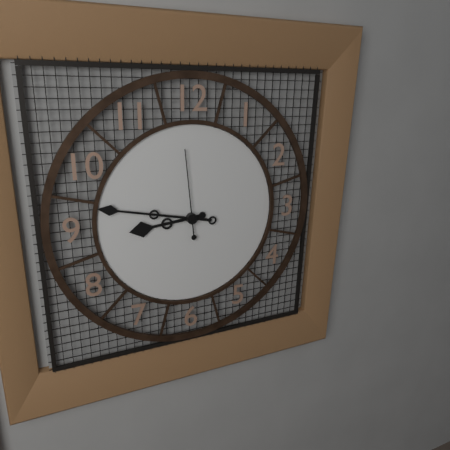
{"hour": 8, "minute": 47, "second": 59}
